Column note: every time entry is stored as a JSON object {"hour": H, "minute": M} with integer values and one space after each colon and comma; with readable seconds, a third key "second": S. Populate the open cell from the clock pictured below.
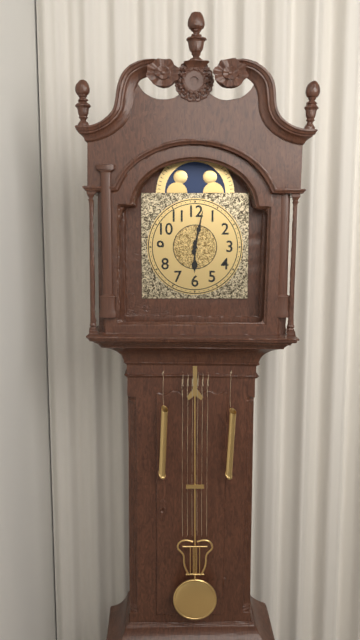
{"hour": 6, "minute": 2}
